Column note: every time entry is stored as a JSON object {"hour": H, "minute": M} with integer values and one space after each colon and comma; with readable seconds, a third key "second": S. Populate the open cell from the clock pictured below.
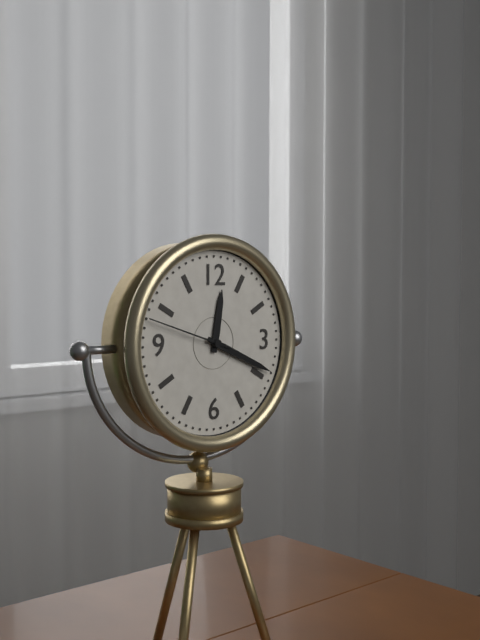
{"hour": 12, "minute": 19, "second": 48}
